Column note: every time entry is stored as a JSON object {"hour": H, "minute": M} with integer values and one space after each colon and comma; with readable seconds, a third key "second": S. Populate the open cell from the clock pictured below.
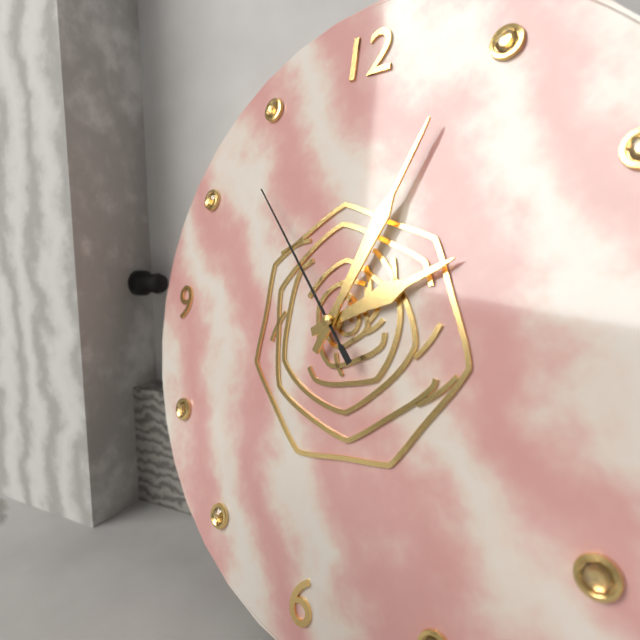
{"hour": 2, "minute": 4, "second": 53}
